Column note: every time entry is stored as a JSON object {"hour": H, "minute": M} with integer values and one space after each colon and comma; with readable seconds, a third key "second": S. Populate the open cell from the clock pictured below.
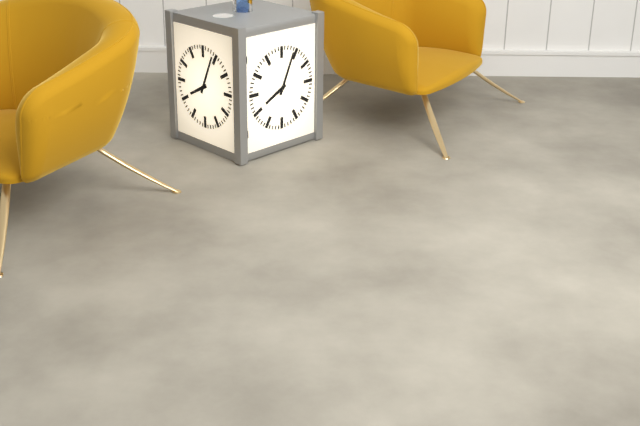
{"hour": 8, "minute": 4}
